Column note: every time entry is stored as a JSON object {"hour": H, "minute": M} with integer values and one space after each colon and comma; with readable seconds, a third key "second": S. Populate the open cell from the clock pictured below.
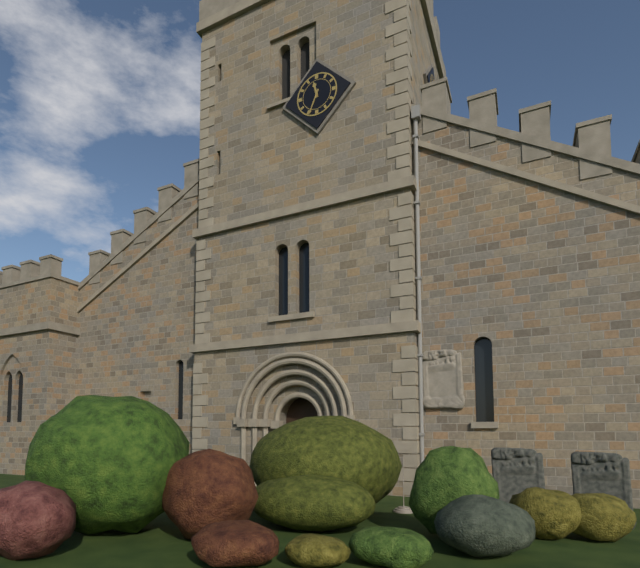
{"hour": 11, "minute": 34}
